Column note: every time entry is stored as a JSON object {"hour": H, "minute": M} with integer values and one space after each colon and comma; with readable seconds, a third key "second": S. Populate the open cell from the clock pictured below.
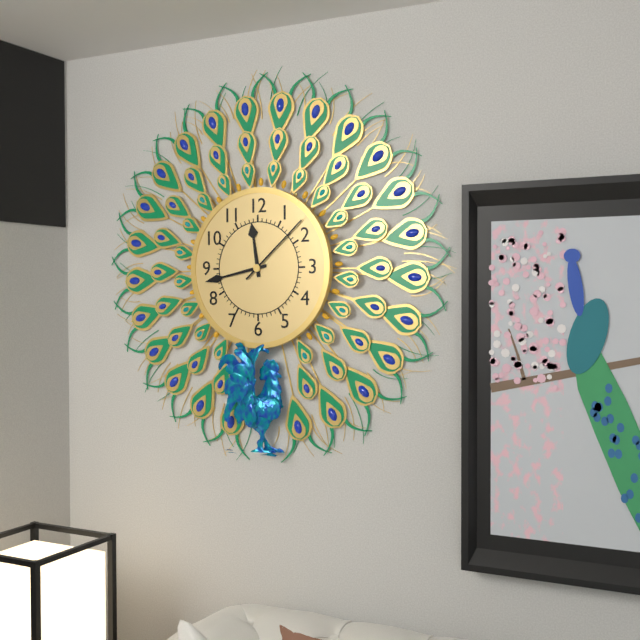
{"hour": 11, "minute": 43, "second": 8}
